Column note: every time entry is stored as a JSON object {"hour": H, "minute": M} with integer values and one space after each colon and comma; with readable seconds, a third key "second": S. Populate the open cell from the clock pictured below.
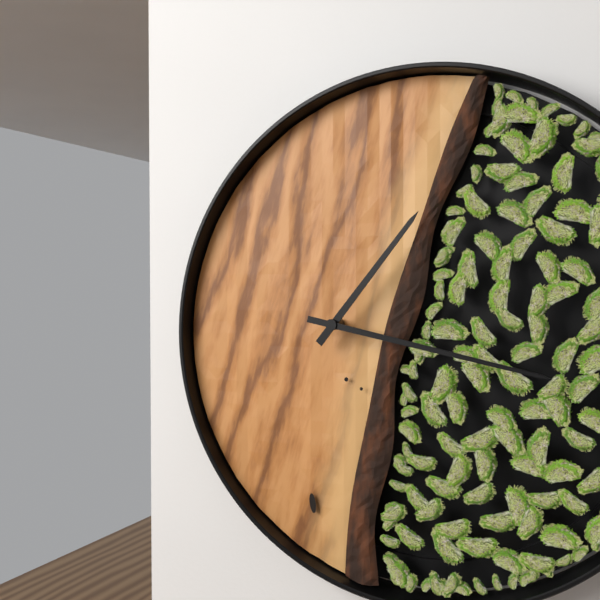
{"hour": 1, "minute": 17}
